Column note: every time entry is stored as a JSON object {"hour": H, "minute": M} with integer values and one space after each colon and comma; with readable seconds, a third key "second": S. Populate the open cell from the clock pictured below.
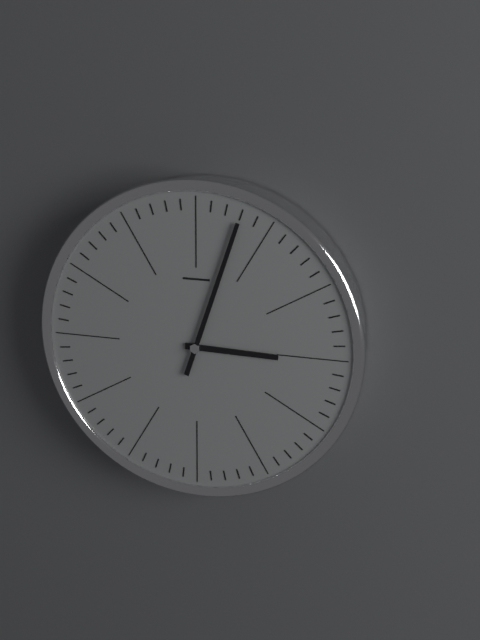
{"hour": 3, "minute": 3}
